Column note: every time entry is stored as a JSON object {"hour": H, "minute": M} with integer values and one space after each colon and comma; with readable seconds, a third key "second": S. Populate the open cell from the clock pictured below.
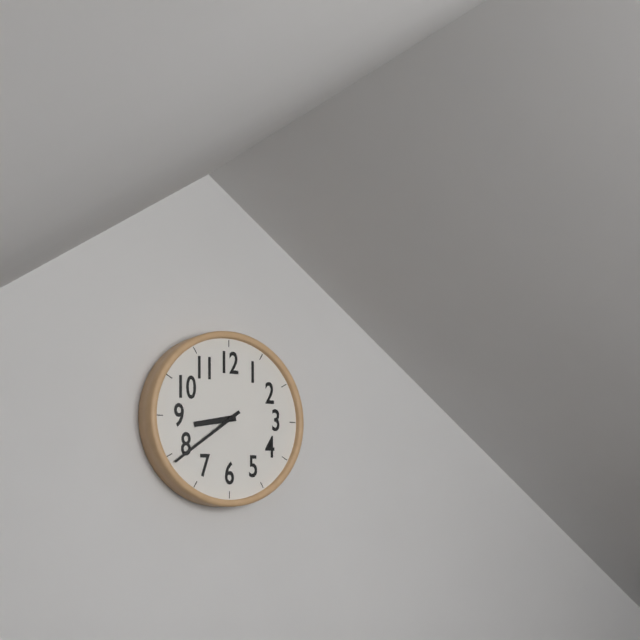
{"hour": 8, "minute": 39}
